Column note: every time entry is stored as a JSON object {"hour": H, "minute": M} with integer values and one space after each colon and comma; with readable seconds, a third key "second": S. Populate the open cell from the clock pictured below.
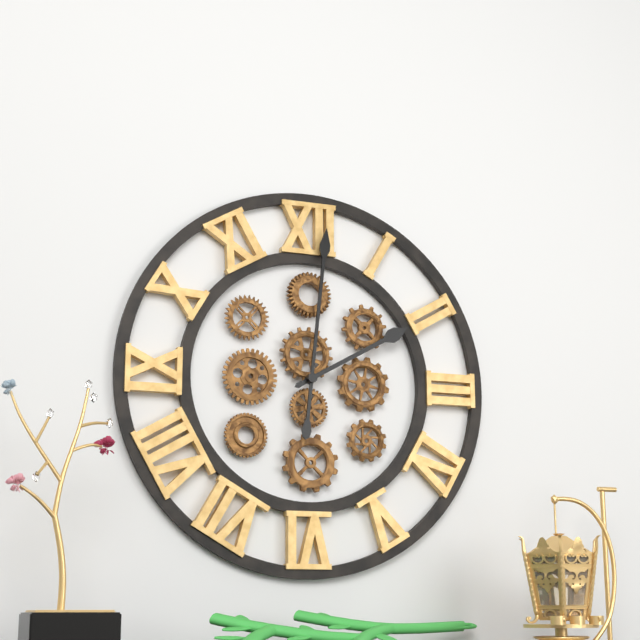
{"hour": 2, "minute": 1}
